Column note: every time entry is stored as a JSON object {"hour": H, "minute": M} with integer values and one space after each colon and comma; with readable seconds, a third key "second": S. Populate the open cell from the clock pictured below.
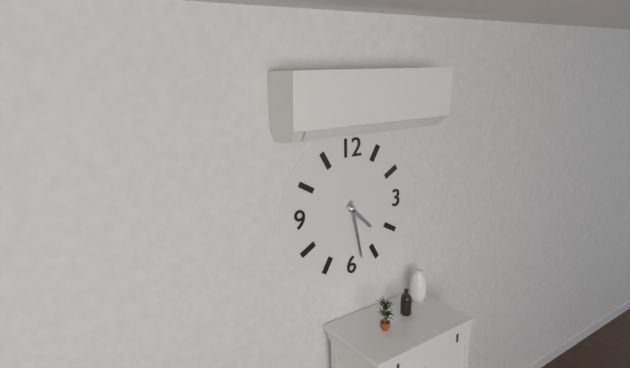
{"hour": 4, "minute": 28}
